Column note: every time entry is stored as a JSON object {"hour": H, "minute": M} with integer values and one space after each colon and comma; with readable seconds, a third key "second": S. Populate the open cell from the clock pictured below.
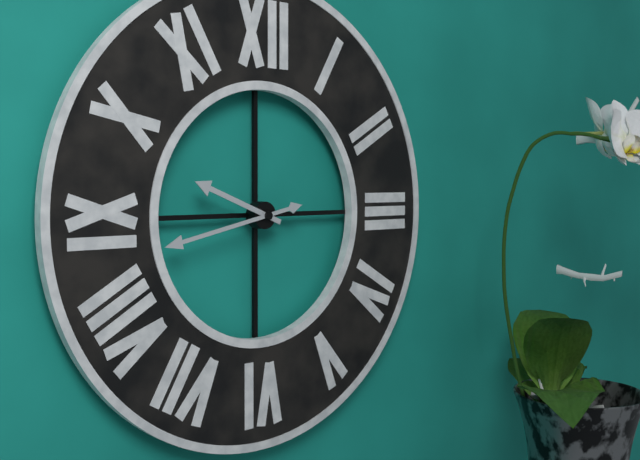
{"hour": 9, "minute": 43}
